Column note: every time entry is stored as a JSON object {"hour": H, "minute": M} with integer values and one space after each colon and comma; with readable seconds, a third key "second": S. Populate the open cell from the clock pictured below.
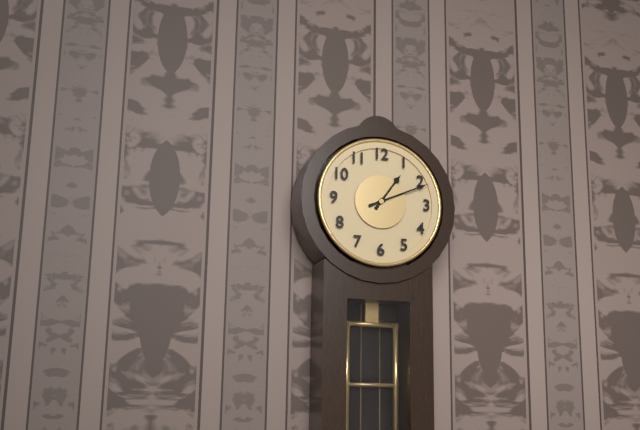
{"hour": 1, "minute": 11}
